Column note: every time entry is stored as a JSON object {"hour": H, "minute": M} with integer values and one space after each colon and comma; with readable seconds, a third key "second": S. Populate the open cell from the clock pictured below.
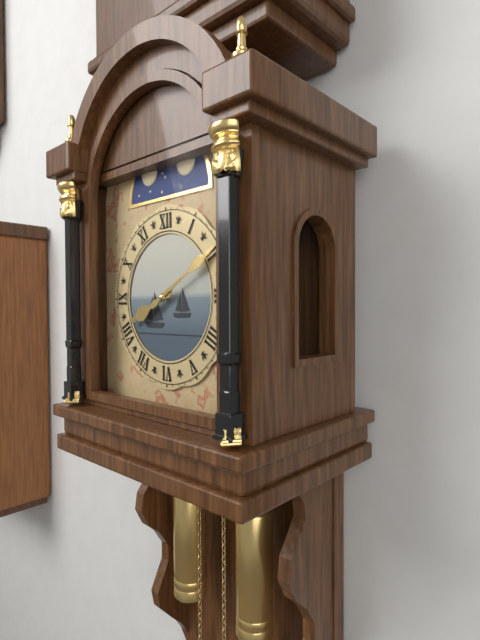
{"hour": 8, "minute": 10}
